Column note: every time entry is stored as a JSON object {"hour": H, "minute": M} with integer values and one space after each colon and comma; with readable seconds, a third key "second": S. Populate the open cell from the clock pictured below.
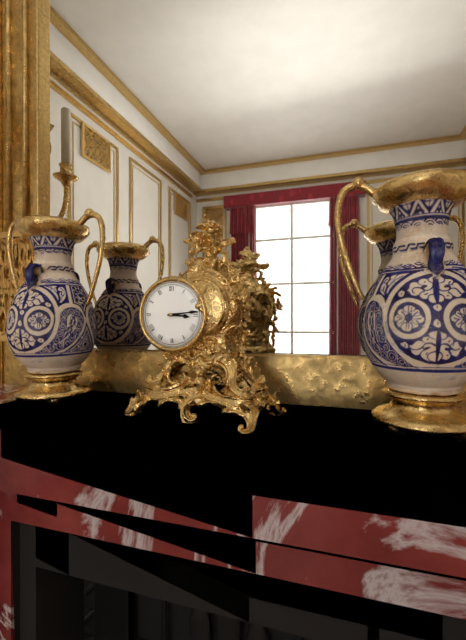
{"hour": 3, "minute": 14}
